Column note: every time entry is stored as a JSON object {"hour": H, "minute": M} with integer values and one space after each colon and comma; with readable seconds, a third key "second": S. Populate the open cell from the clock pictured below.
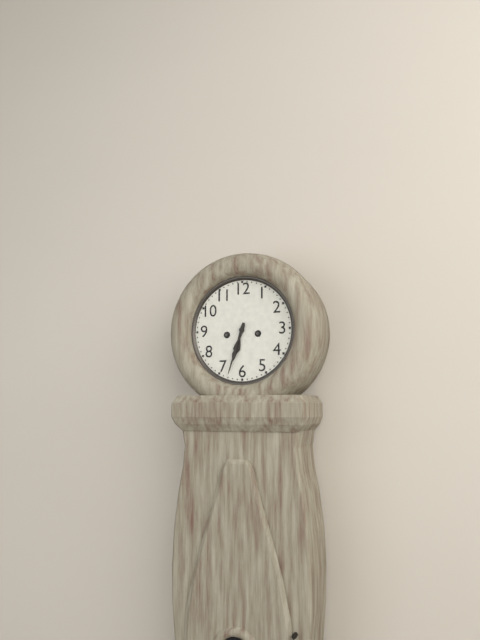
{"hour": 6, "minute": 33}
